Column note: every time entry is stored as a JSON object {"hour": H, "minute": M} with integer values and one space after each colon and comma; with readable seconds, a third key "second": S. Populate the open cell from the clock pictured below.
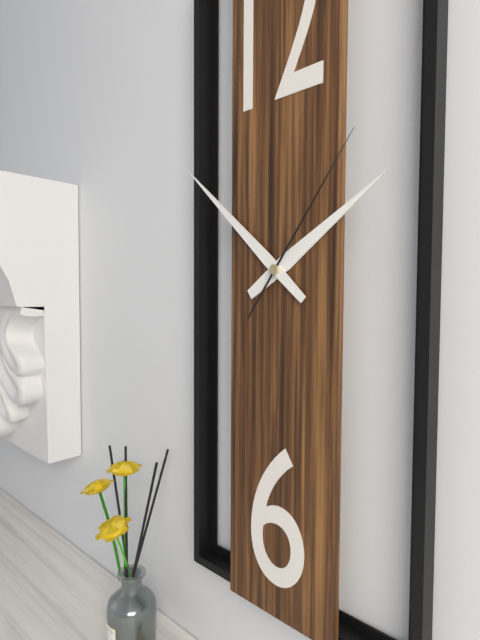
{"hour": 1, "minute": 52, "second": 6}
